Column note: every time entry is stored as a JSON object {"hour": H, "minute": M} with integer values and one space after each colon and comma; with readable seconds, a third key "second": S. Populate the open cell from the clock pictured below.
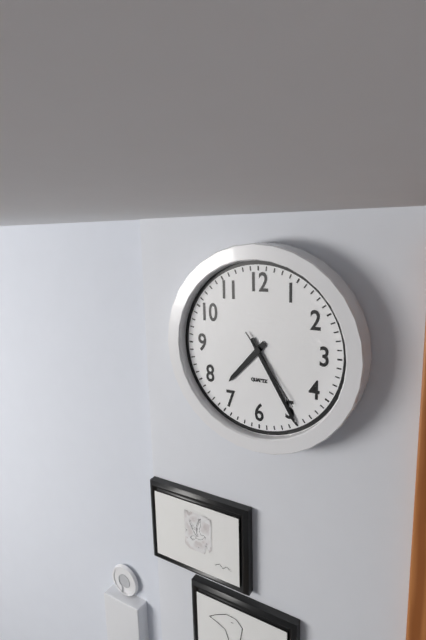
{"hour": 7, "minute": 25, "second": 24}
